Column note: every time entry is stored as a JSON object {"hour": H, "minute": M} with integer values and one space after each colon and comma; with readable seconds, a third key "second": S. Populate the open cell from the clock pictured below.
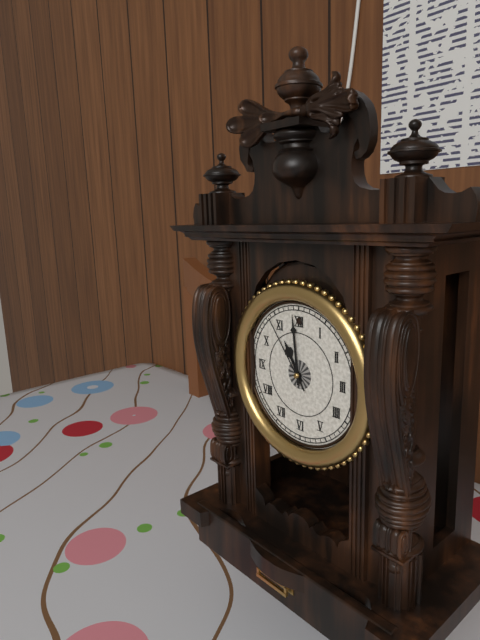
{"hour": 10, "minute": 59, "second": 54}
